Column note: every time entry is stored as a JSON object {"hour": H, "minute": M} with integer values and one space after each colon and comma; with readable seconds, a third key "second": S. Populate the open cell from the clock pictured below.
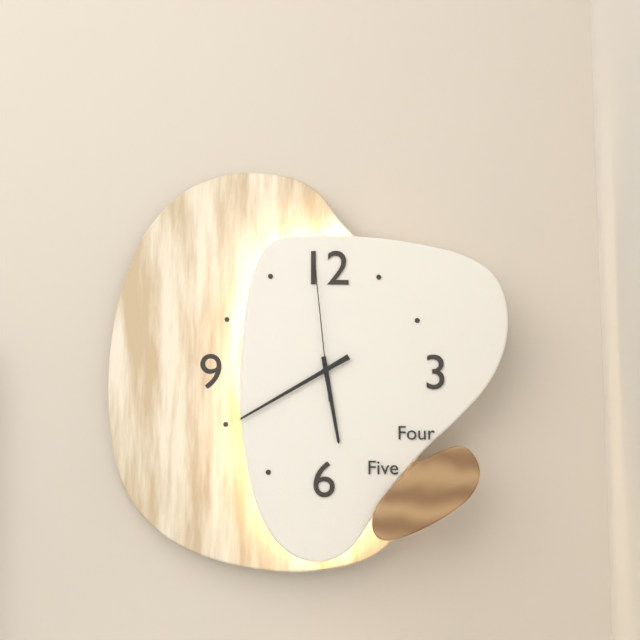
{"hour": 5, "minute": 40, "second": 59}
